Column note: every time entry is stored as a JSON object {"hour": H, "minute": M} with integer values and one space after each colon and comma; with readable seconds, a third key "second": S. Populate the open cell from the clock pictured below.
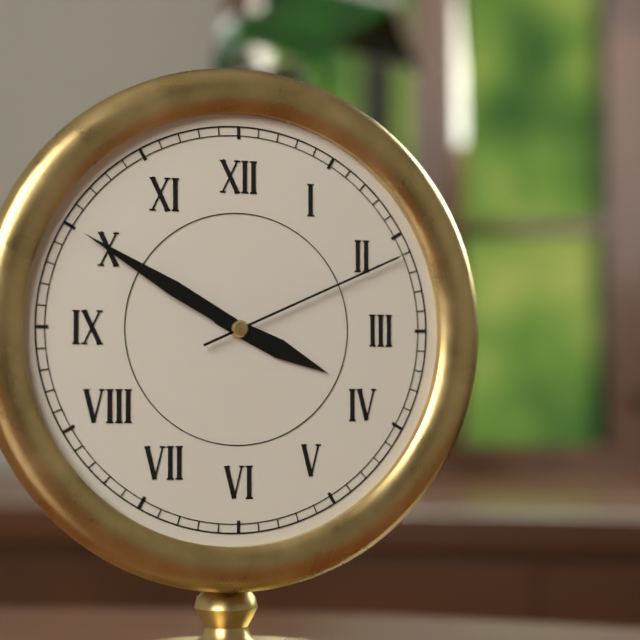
{"hour": 3, "minute": 50, "second": 11}
